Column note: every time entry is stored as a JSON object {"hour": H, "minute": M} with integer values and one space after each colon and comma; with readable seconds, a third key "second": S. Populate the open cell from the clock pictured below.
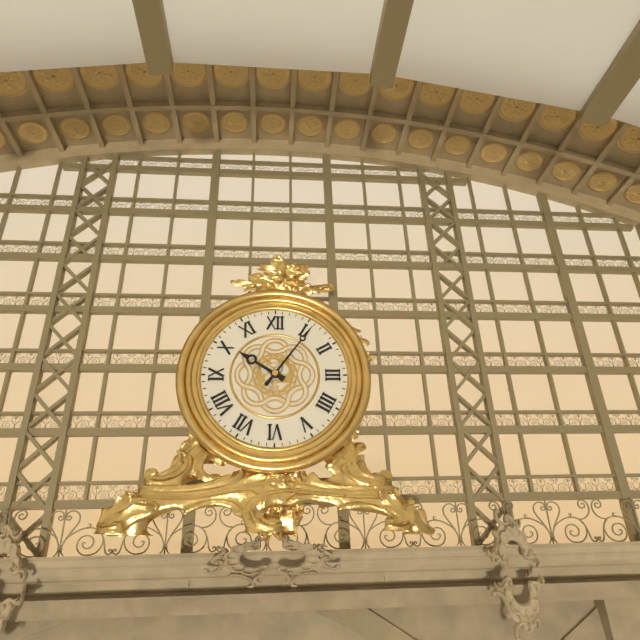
{"hour": 10, "minute": 6}
